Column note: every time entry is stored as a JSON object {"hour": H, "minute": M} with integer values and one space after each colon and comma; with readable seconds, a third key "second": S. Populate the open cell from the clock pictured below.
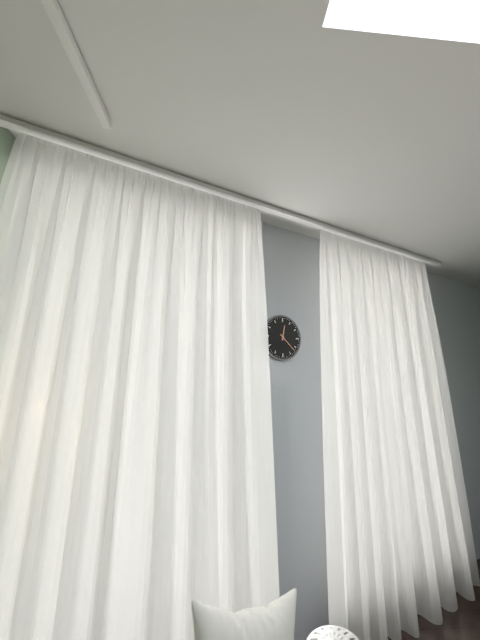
{"hour": 12, "minute": 22}
